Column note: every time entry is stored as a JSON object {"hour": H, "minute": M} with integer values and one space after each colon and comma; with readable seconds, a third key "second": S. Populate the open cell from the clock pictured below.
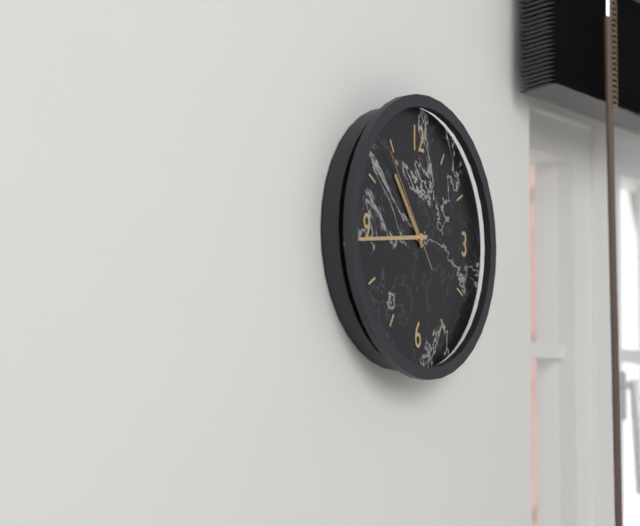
{"hour": 10, "minute": 44, "second": 54}
